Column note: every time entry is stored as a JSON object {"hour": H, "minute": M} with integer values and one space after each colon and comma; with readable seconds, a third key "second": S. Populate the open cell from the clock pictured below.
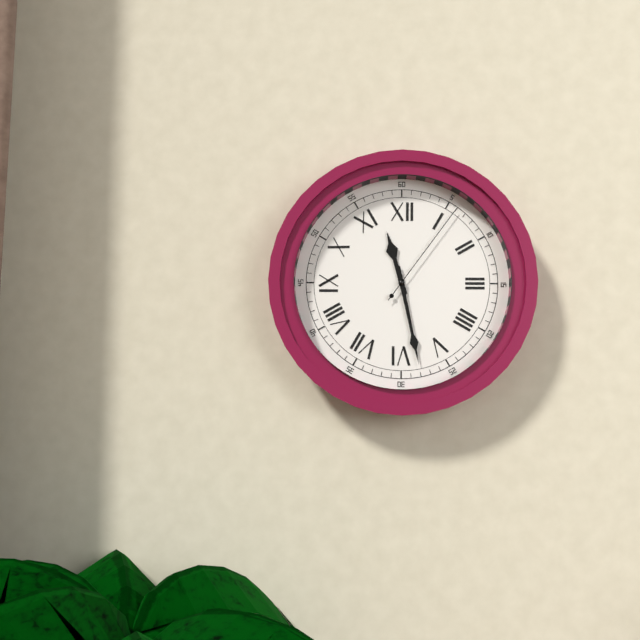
{"hour": 11, "minute": 28, "second": 6}
